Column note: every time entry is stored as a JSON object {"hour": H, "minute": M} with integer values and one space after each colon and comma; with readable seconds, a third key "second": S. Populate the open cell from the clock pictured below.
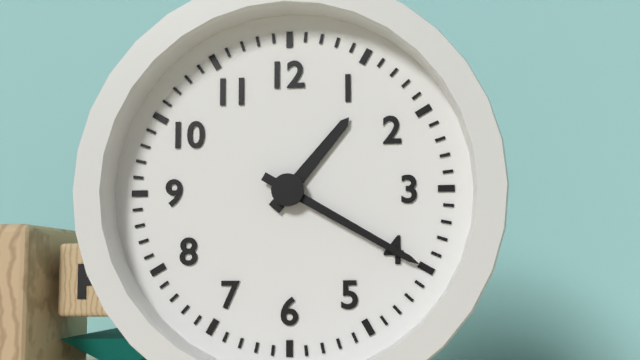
{"hour": 1, "minute": 20}
